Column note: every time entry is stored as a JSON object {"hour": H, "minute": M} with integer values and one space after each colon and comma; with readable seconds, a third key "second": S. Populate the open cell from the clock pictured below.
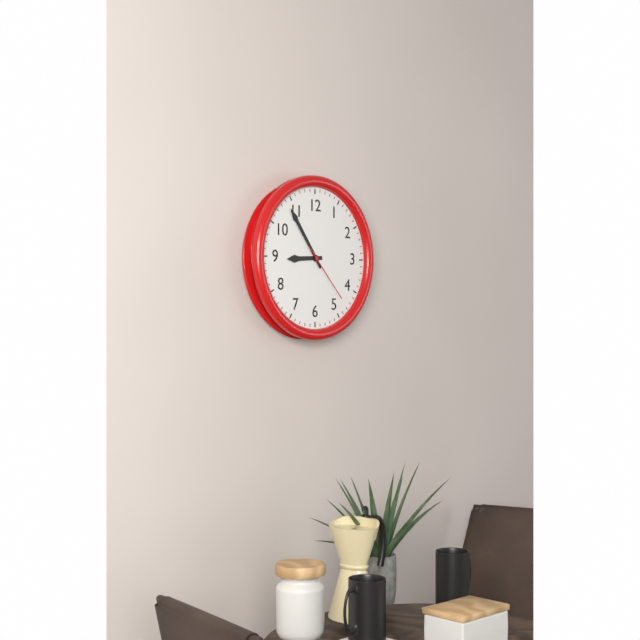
{"hour": 8, "minute": 54, "second": 23}
